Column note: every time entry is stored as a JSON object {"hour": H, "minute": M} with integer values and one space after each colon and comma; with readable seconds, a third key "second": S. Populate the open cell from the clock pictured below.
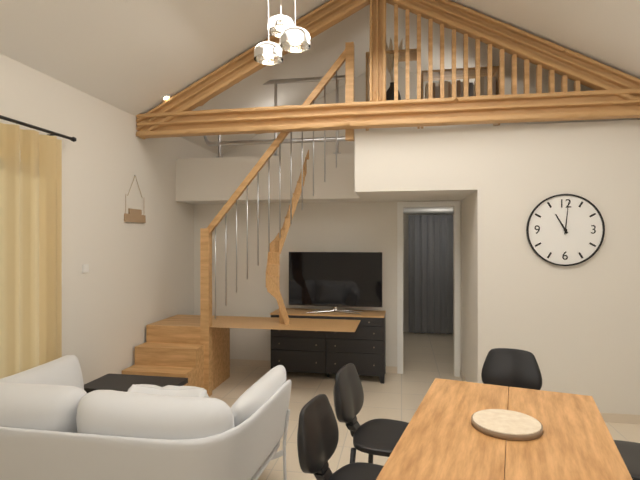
{"hour": 11, "minute": 1}
